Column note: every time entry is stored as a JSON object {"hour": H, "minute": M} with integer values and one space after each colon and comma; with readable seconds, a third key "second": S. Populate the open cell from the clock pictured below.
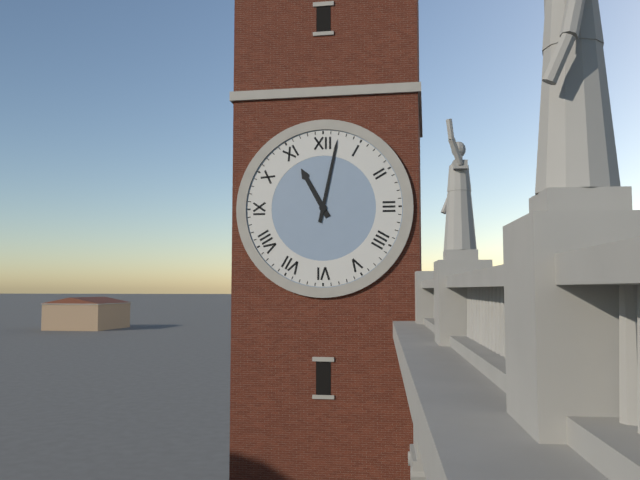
{"hour": 11, "minute": 2}
